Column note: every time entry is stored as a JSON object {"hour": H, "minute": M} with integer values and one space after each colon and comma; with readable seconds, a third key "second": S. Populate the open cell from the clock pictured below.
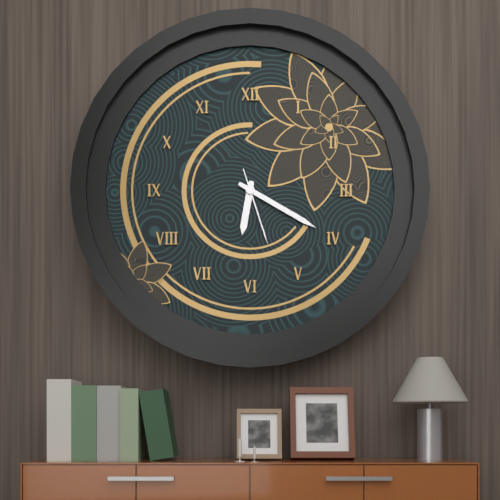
{"hour": 6, "minute": 20, "second": 27}
